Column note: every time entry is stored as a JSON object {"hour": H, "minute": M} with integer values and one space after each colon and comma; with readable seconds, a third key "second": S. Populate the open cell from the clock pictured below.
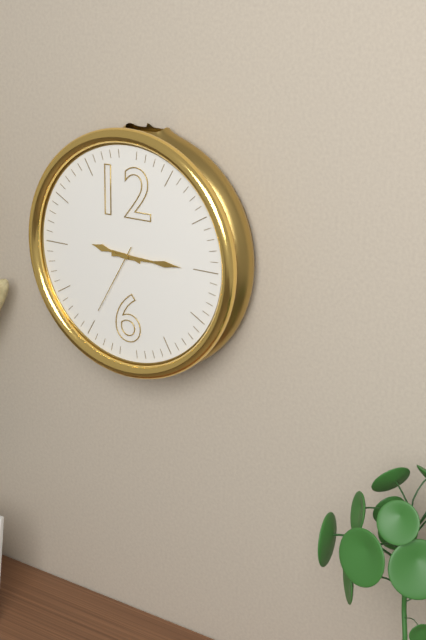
{"hour": 9, "minute": 15, "second": 35}
